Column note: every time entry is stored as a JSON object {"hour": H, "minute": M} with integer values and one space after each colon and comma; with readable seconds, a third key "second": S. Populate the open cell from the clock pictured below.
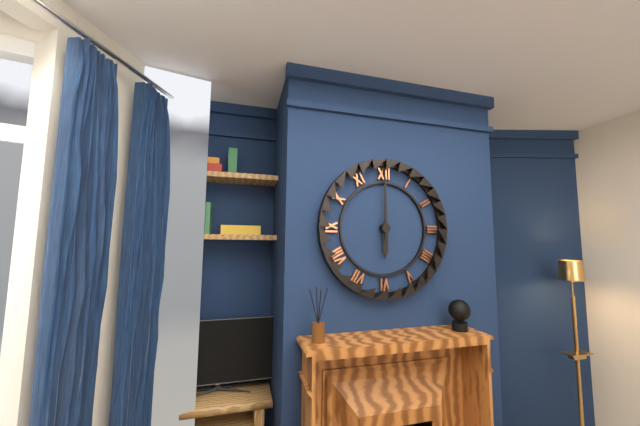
{"hour": 6, "minute": 0}
